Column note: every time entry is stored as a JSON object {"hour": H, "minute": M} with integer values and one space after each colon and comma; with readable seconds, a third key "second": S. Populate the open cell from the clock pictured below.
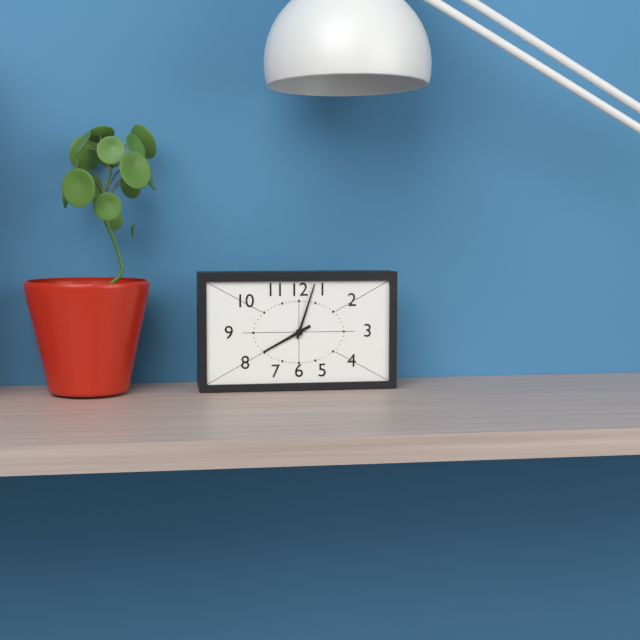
{"hour": 8, "minute": 3}
